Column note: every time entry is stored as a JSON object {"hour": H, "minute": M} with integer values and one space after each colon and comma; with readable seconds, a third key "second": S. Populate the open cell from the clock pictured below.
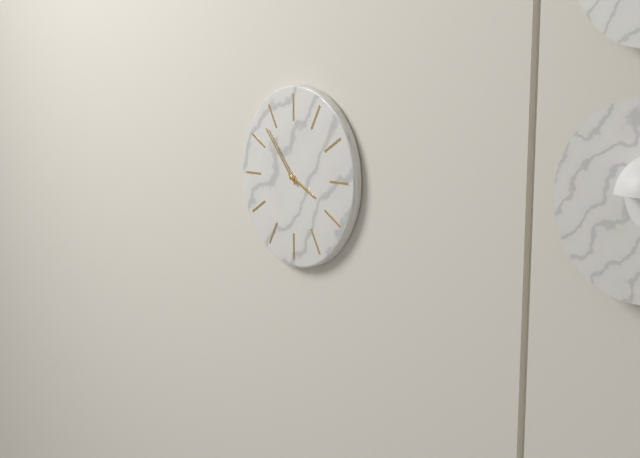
{"hour": 3, "minute": 53}
